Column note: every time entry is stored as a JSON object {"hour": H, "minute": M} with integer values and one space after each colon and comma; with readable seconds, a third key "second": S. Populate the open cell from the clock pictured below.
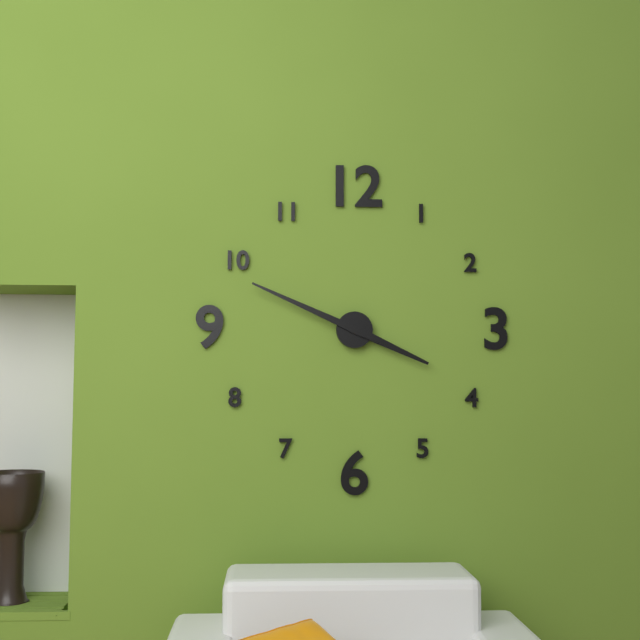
{"hour": 3, "minute": 49}
